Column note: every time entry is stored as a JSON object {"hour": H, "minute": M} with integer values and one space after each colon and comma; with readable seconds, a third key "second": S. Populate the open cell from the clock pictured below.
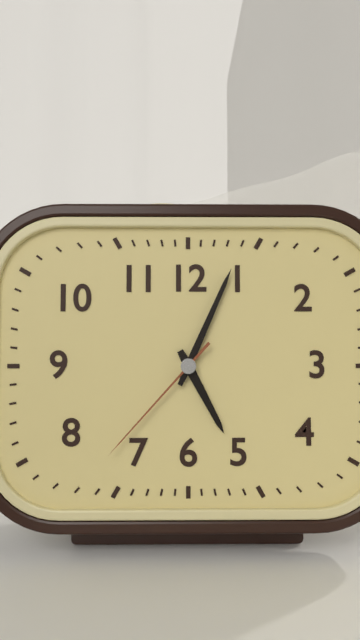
{"hour": 5, "minute": 4, "second": 37}
